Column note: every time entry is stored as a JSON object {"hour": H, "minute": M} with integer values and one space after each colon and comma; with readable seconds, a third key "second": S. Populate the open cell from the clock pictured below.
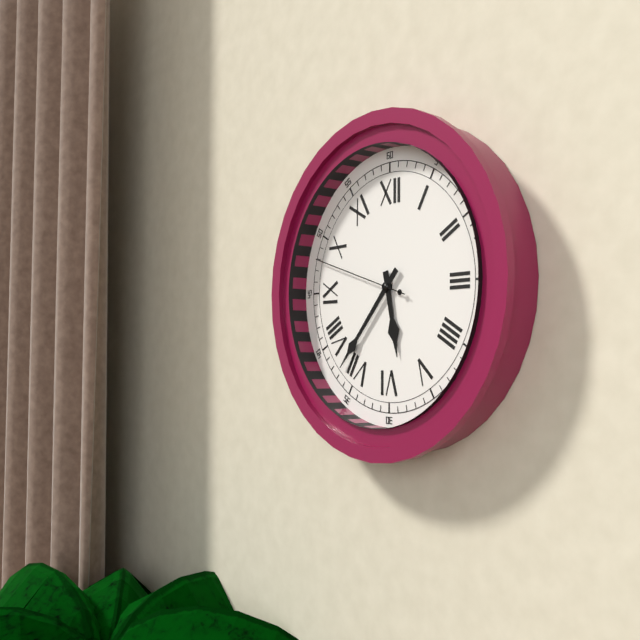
{"hour": 5, "minute": 37, "second": 48}
